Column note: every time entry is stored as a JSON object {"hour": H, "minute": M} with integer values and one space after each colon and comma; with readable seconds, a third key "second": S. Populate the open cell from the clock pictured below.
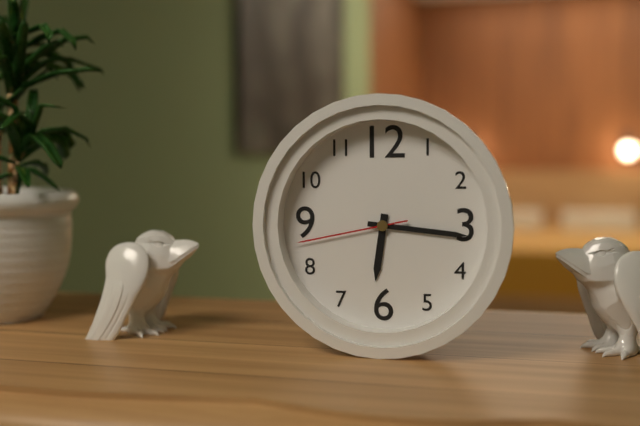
{"hour": 6, "minute": 16, "second": 43}
